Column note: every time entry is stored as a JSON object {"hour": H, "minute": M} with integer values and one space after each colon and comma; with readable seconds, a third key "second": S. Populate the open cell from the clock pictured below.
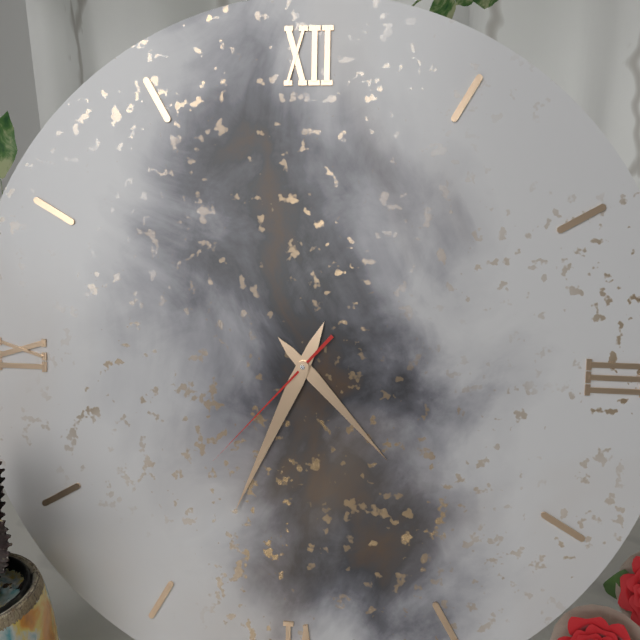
{"hour": 4, "minute": 34, "second": 37}
